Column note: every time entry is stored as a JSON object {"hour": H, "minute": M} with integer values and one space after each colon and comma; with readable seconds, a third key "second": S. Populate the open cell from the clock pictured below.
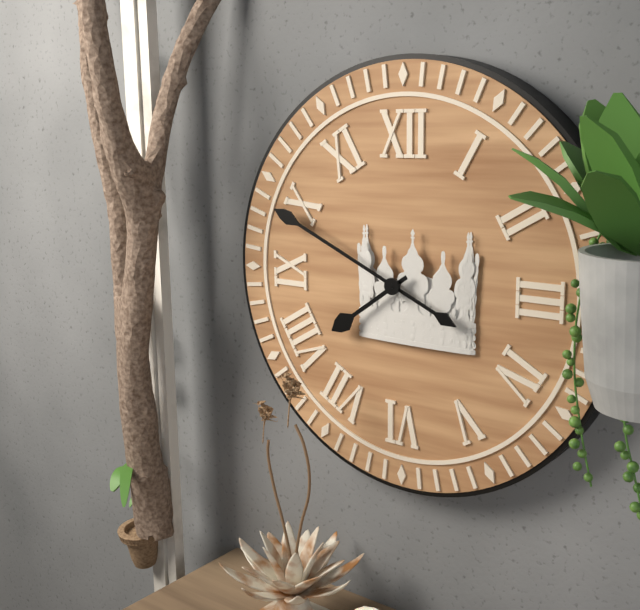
{"hour": 7, "minute": 49}
